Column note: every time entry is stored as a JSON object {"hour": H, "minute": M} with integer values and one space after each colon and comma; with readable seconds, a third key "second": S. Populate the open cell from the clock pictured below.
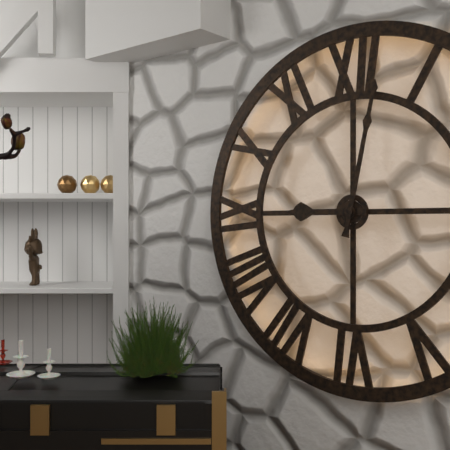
{"hour": 9, "minute": 2}
